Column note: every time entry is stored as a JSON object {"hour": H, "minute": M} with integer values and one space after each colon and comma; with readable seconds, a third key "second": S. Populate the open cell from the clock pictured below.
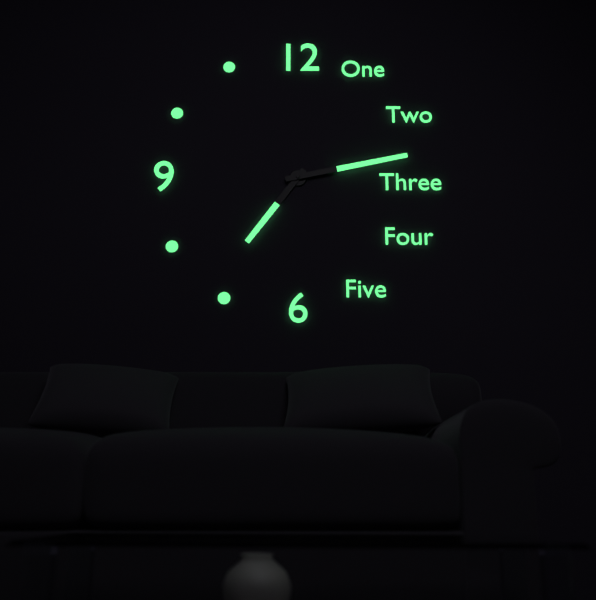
{"hour": 7, "minute": 13}
